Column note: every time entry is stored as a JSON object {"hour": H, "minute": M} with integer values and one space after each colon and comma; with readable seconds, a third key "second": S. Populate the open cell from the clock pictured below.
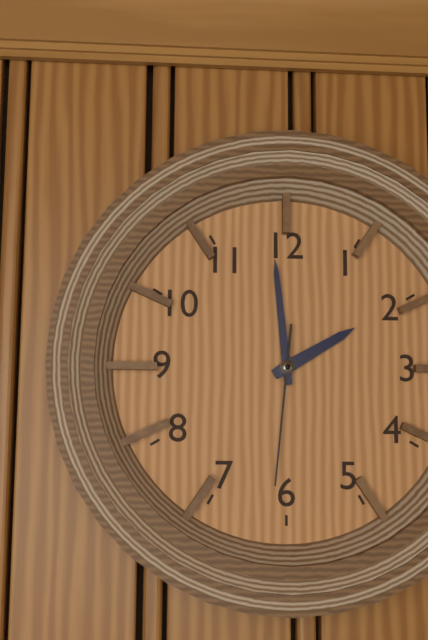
{"hour": 1, "minute": 59, "second": 31}
